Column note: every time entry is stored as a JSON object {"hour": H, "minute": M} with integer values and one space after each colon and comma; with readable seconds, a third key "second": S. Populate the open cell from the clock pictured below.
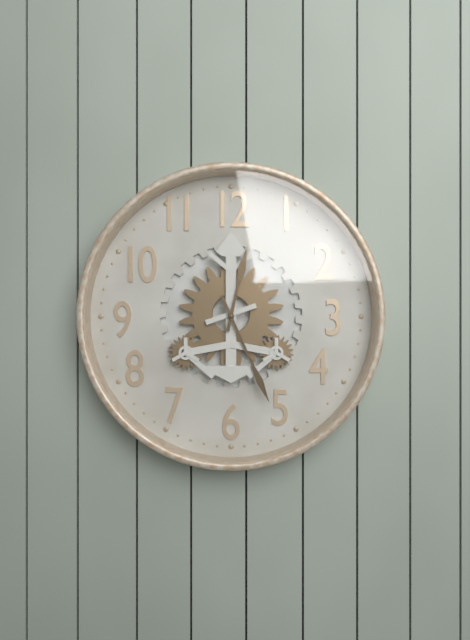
{"hour": 12, "minute": 26}
